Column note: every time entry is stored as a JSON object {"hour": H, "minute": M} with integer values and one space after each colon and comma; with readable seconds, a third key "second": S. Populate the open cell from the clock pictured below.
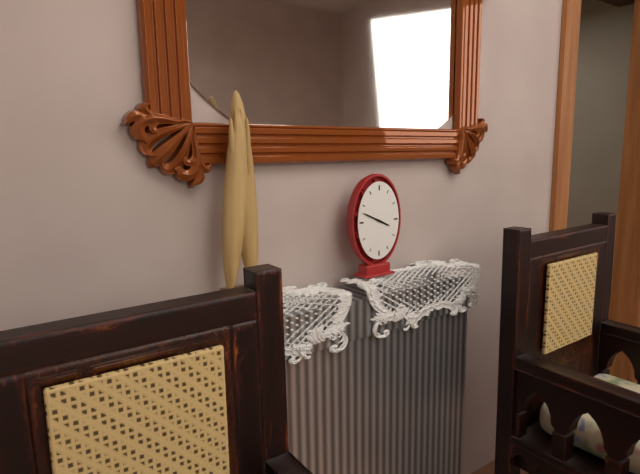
{"hour": 3, "minute": 49}
